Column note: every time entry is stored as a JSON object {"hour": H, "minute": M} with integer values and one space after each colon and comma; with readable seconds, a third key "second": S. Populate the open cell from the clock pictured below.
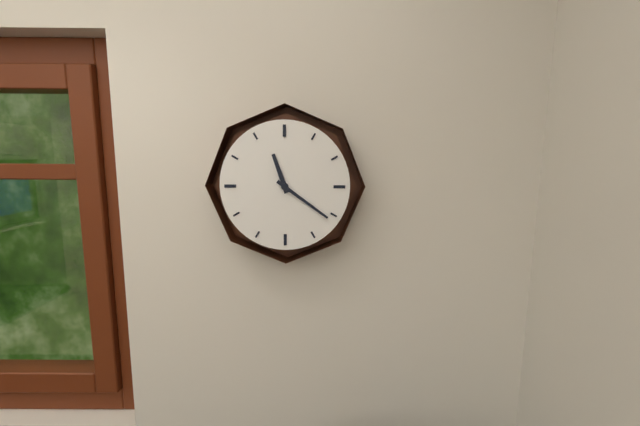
{"hour": 11, "minute": 21}
